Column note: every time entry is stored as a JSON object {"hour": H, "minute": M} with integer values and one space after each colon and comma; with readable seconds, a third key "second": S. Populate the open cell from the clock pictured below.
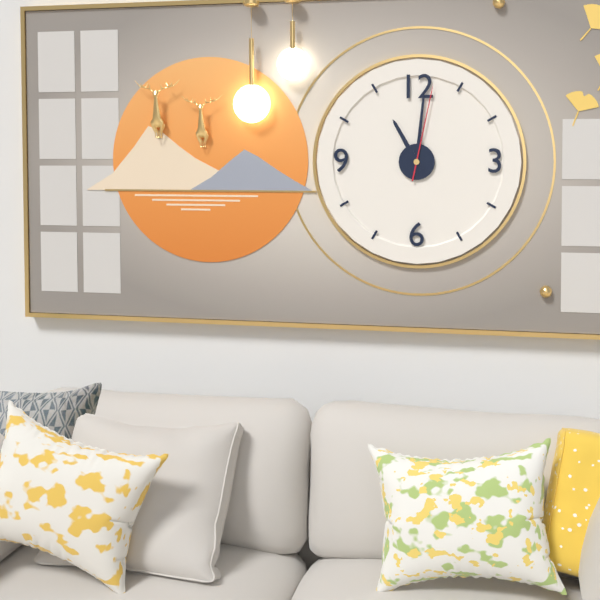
{"hour": 11, "minute": 1, "second": 2}
